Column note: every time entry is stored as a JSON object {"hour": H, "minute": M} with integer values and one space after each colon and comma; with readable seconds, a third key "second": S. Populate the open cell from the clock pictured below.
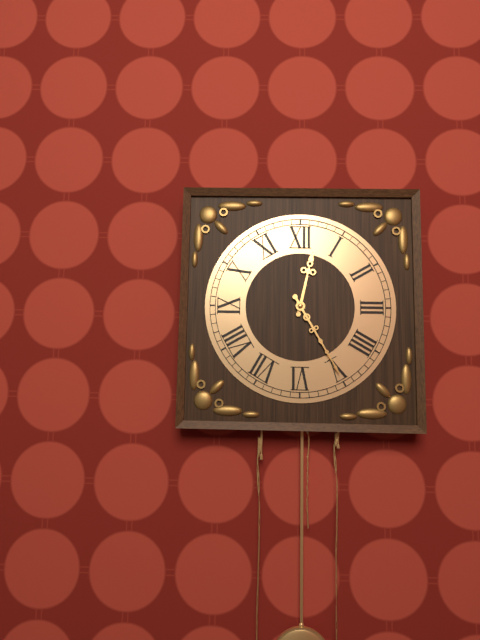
{"hour": 12, "minute": 25}
